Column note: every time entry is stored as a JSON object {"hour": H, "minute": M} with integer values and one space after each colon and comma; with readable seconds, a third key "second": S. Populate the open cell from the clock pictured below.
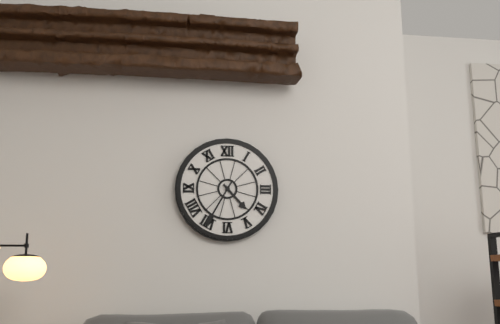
{"hour": 4, "minute": 35}
